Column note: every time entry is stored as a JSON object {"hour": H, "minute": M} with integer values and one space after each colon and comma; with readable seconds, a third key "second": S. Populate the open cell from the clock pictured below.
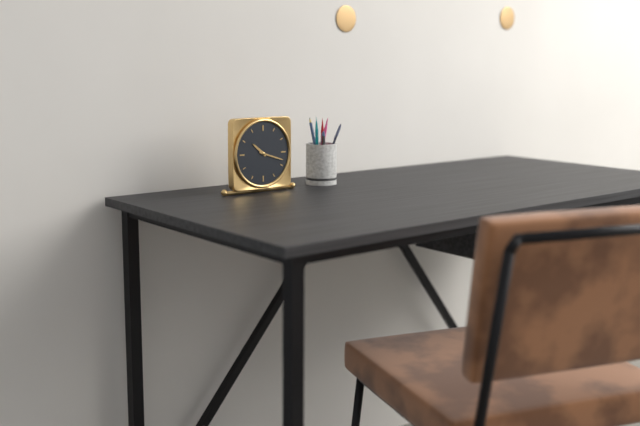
{"hour": 10, "minute": 18}
